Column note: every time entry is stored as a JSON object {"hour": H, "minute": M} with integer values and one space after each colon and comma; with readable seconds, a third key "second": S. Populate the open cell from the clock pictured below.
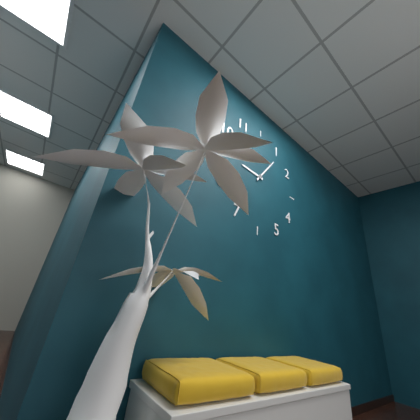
{"hour": 9, "minute": 6}
